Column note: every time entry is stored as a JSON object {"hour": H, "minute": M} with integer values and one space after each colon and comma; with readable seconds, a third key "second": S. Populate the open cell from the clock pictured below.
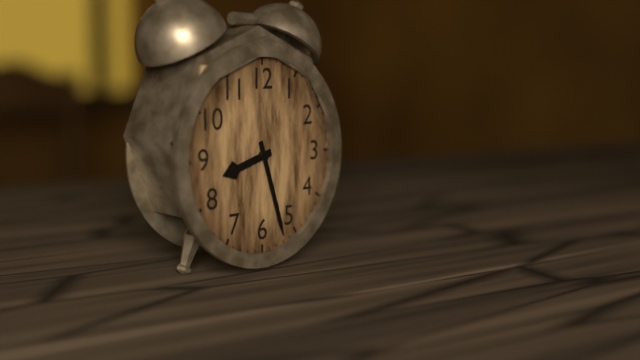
{"hour": 8, "minute": 27}
